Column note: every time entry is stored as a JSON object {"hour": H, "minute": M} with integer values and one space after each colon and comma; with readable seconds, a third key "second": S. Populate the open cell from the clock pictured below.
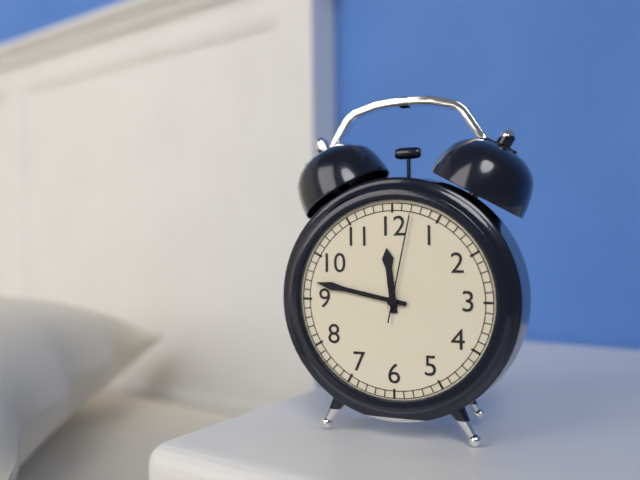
{"hour": 11, "minute": 47, "second": 2}
